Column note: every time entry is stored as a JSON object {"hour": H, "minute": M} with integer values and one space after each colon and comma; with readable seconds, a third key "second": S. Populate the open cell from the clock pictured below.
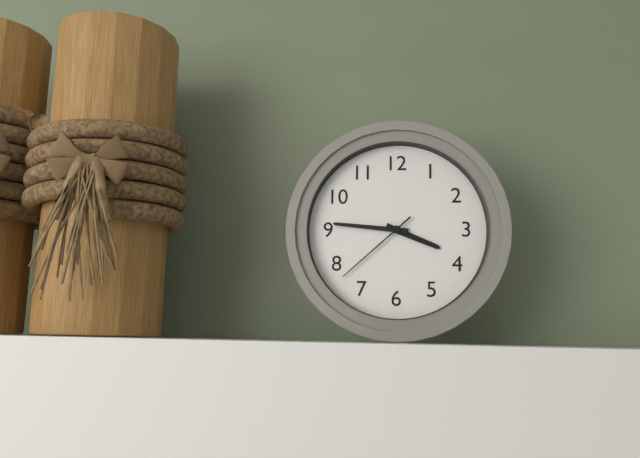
{"hour": 3, "minute": 46, "second": 38}
